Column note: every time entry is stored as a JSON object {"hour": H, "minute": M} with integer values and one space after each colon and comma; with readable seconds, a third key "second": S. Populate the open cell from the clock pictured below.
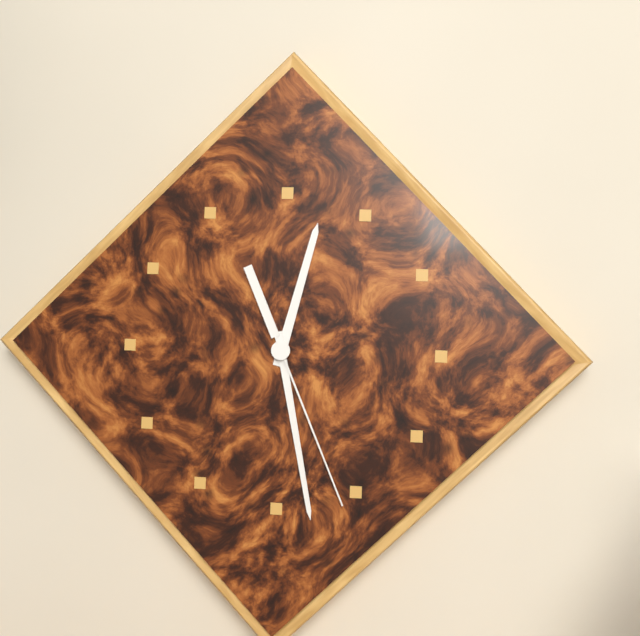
{"hour": 12, "minute": 28, "second": 26}
